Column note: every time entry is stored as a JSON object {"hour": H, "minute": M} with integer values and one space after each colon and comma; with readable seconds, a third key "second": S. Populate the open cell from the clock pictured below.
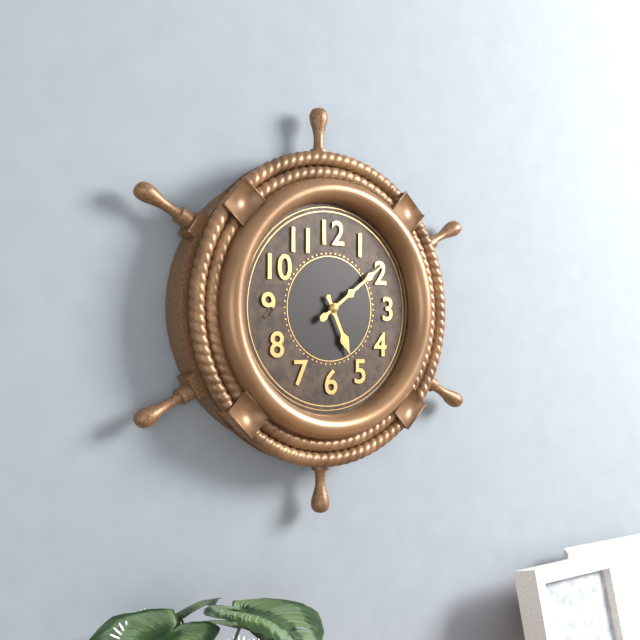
{"hour": 5, "minute": 9}
